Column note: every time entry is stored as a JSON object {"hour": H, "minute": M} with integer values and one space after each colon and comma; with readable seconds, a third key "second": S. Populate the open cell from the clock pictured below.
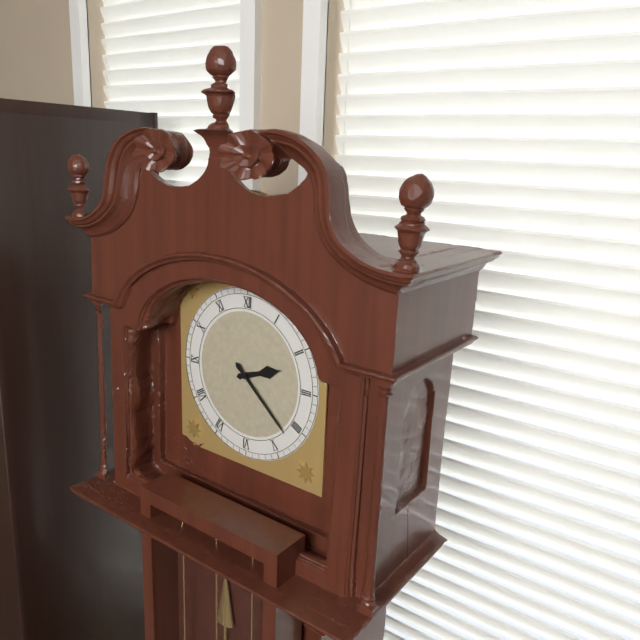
{"hour": 2, "minute": 22}
